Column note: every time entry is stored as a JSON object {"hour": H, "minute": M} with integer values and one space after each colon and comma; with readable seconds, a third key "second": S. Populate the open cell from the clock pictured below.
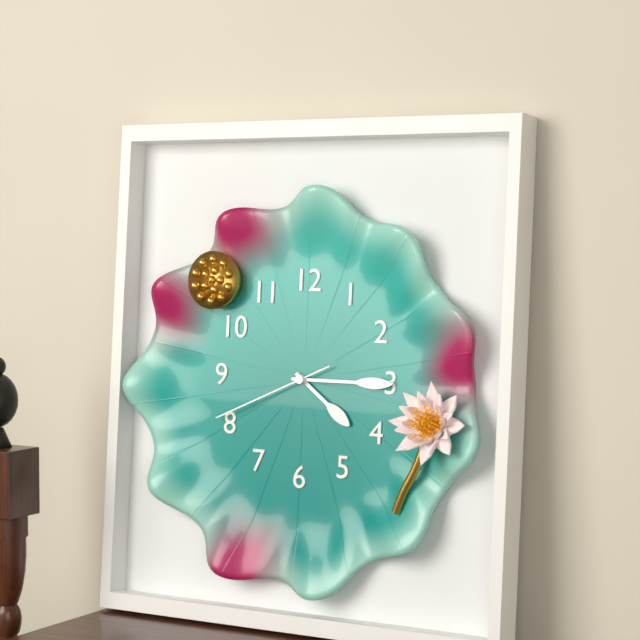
{"hour": 4, "minute": 15, "second": 41}
